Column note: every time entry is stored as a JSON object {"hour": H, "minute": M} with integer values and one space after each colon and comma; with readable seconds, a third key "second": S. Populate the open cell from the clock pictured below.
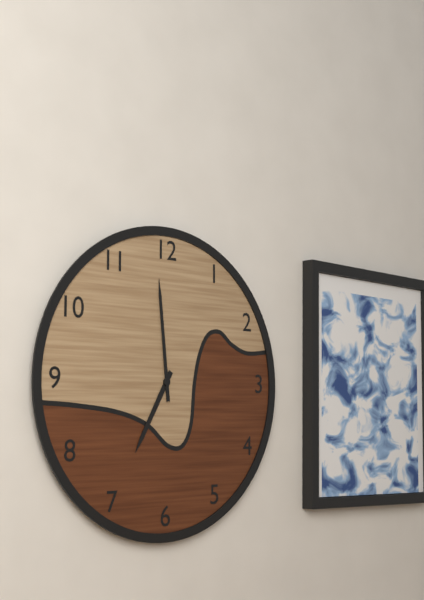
{"hour": 6, "minute": 59}
